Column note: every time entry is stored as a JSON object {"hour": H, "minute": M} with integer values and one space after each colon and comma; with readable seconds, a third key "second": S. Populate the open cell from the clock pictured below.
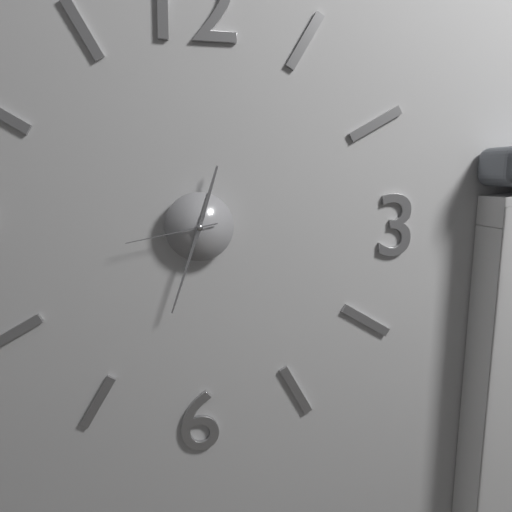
{"hour": 12, "minute": 33, "second": 43}
